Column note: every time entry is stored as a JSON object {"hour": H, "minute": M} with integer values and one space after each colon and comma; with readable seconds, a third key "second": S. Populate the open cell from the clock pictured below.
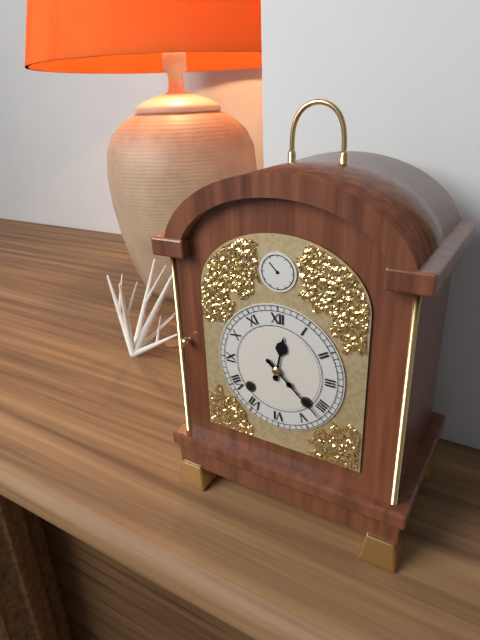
{"hour": 12, "minute": 22}
